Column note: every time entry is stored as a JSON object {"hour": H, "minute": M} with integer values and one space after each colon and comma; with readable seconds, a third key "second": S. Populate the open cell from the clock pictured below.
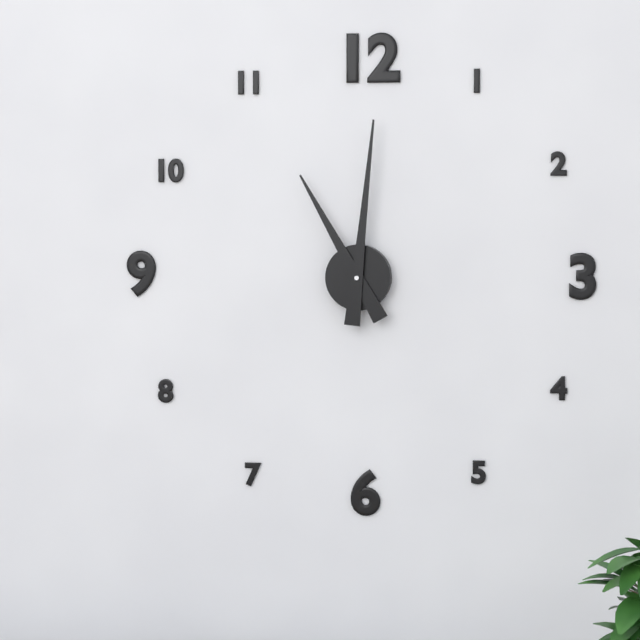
{"hour": 11, "minute": 1}
